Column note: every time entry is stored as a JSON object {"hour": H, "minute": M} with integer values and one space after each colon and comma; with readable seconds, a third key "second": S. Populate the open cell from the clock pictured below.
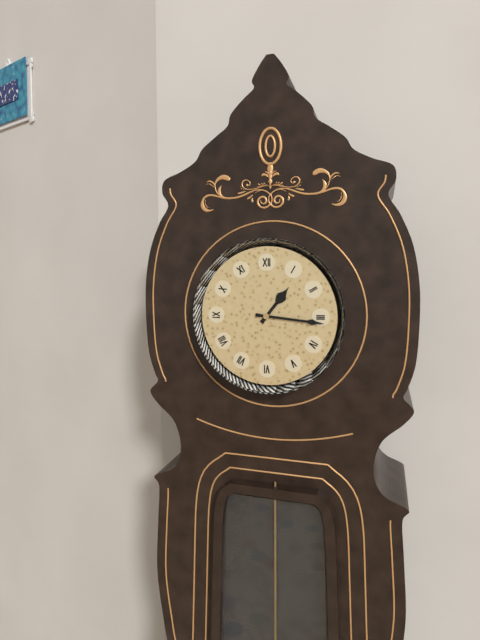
{"hour": 1, "minute": 16}
